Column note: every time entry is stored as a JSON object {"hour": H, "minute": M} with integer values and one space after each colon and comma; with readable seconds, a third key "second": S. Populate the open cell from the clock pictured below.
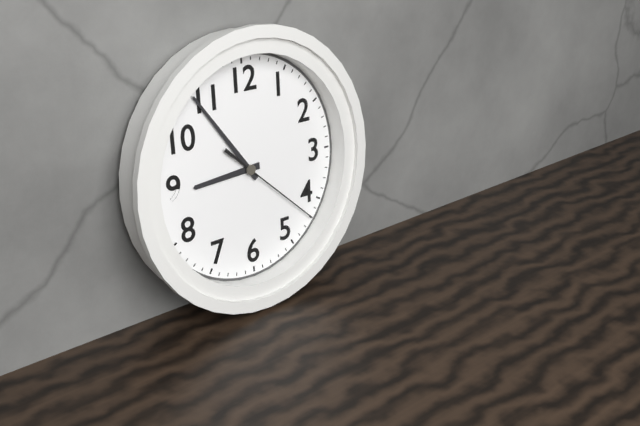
{"hour": 8, "minute": 54, "second": 22}
